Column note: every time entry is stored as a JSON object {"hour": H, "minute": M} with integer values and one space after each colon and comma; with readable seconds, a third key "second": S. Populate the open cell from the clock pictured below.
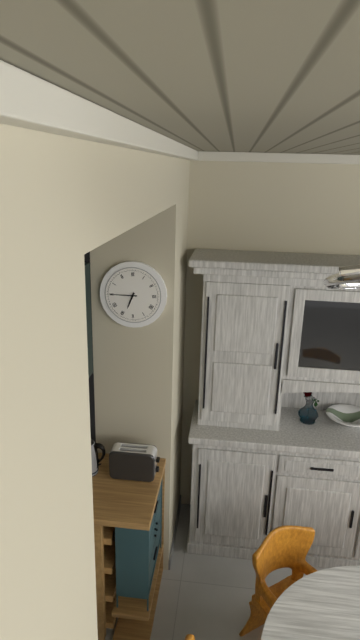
{"hour": 6, "minute": 45}
